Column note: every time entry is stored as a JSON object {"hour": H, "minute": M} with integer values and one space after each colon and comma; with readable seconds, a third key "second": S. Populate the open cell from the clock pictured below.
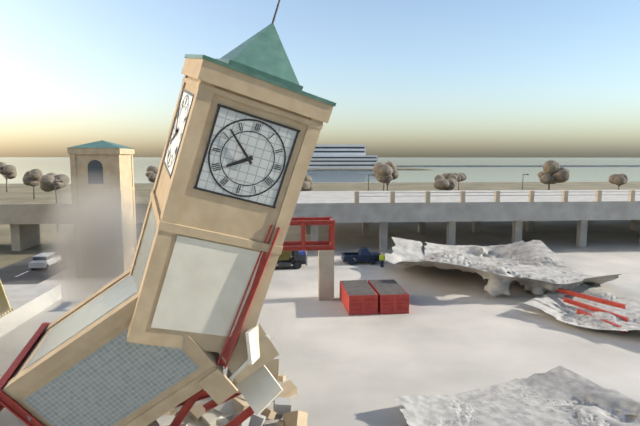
{"hour": 7, "minute": 52}
